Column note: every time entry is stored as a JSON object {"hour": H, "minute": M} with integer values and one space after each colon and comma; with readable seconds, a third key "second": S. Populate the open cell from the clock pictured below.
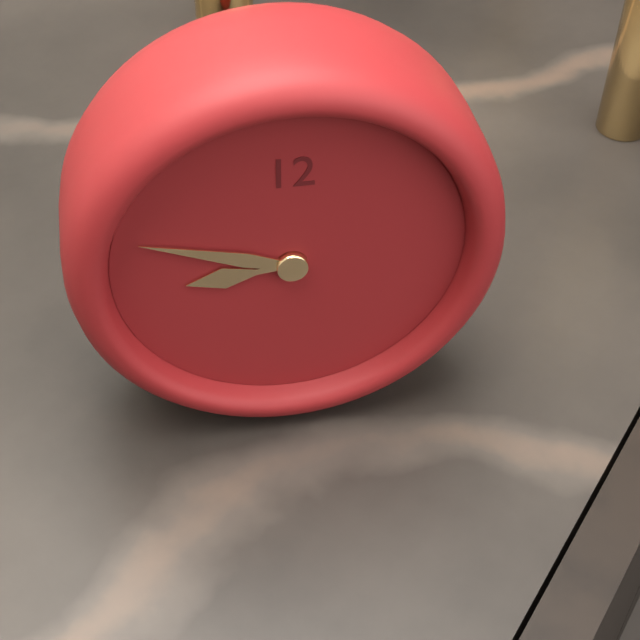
{"hour": 8, "minute": 48}
